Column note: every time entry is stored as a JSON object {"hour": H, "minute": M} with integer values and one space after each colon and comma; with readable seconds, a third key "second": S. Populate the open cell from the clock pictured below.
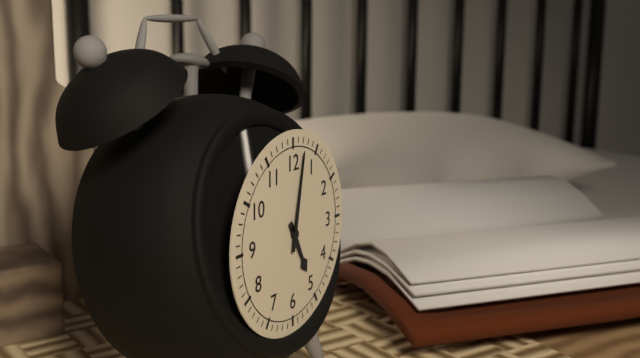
{"hour": 5, "minute": 2}
